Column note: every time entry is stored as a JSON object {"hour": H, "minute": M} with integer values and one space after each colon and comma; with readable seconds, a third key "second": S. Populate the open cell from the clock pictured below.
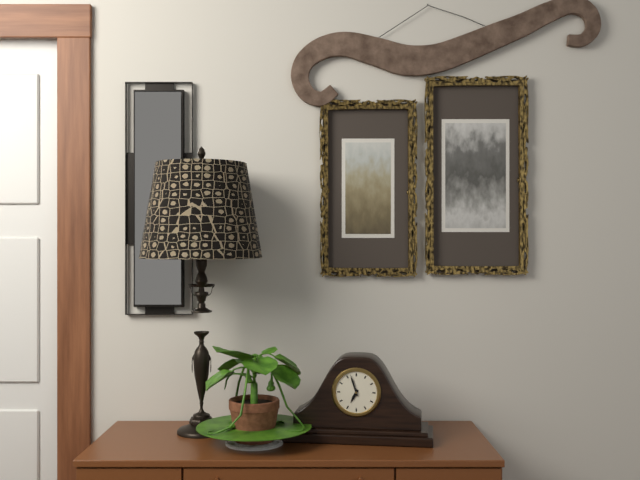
{"hour": 6, "minute": 57}
